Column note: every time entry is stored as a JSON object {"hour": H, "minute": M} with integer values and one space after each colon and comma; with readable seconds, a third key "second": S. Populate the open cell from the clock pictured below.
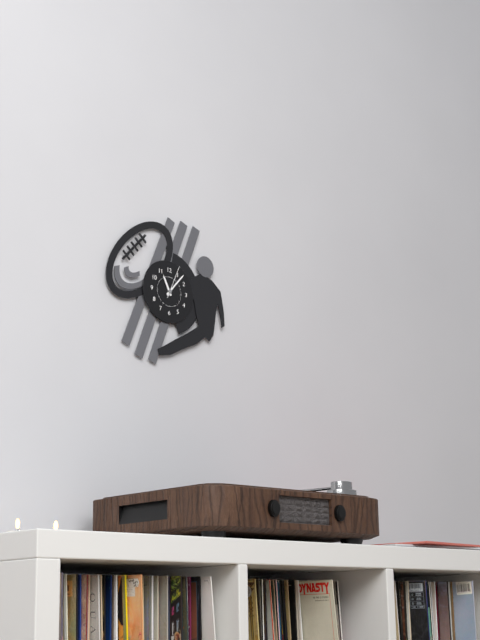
{"hour": 11, "minute": 7}
